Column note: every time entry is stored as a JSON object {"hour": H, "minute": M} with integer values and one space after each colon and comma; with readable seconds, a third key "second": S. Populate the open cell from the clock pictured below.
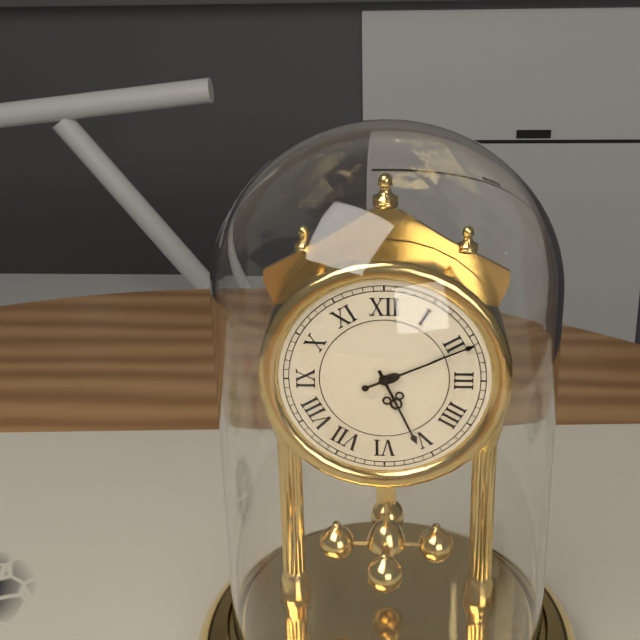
{"hour": 5, "minute": 11}
